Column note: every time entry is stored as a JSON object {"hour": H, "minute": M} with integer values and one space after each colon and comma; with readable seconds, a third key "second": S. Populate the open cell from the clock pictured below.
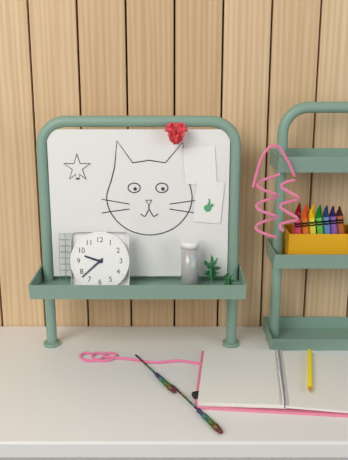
{"hour": 9, "minute": 38}
